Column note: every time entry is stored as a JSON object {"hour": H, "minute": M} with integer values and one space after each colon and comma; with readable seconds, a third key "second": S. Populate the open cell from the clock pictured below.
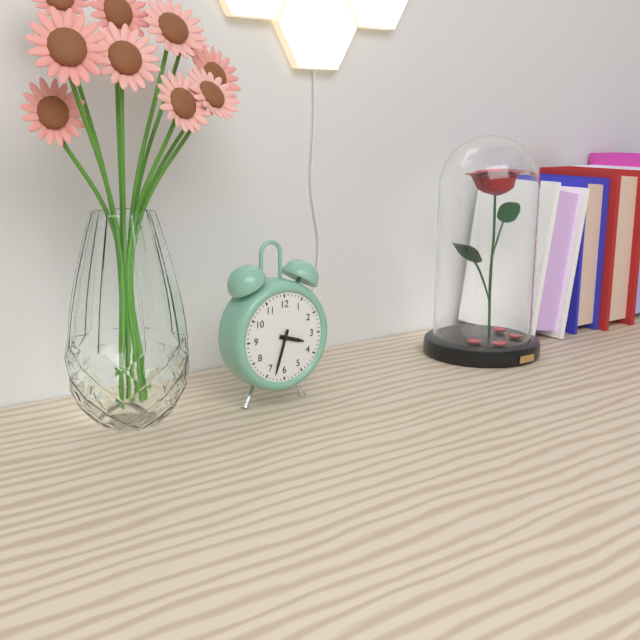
{"hour": 3, "minute": 33}
